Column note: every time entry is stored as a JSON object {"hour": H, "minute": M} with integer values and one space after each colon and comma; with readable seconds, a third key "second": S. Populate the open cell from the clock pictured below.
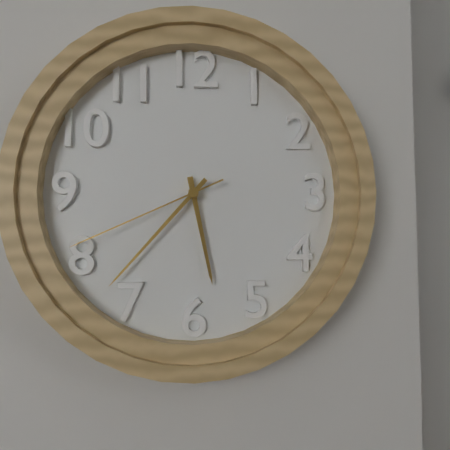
{"hour": 5, "minute": 37, "second": 41}
